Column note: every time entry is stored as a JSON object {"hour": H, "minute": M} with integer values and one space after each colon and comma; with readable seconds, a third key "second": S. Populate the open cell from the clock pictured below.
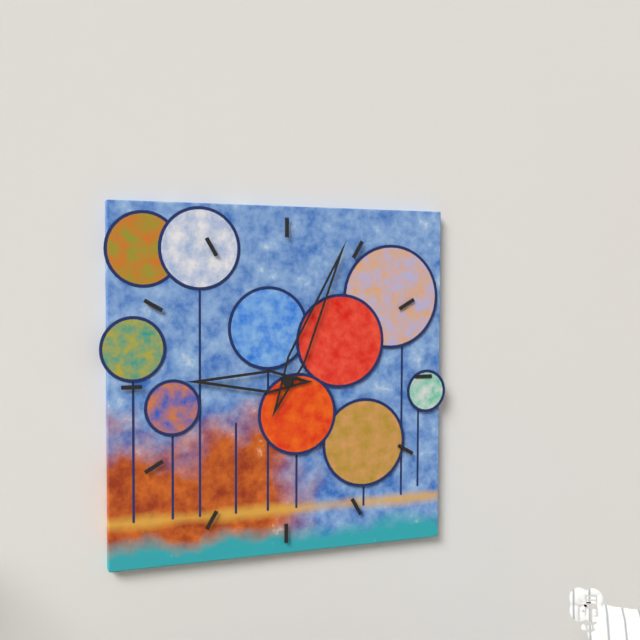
{"hour": 9, "minute": 4}
